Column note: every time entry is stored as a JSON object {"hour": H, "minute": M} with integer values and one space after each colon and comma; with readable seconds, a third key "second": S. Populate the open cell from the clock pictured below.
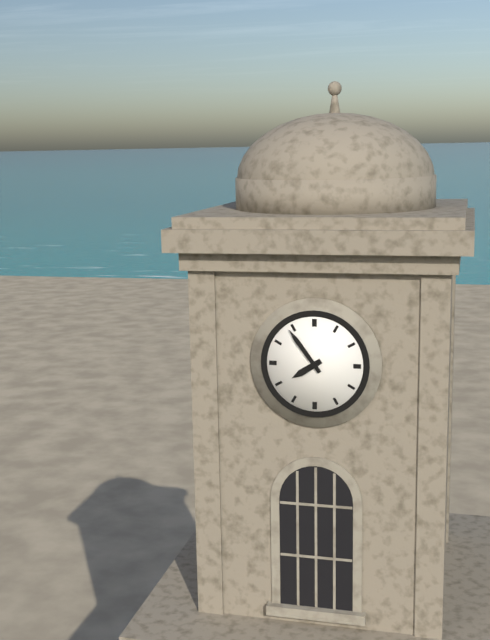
{"hour": 7, "minute": 54}
